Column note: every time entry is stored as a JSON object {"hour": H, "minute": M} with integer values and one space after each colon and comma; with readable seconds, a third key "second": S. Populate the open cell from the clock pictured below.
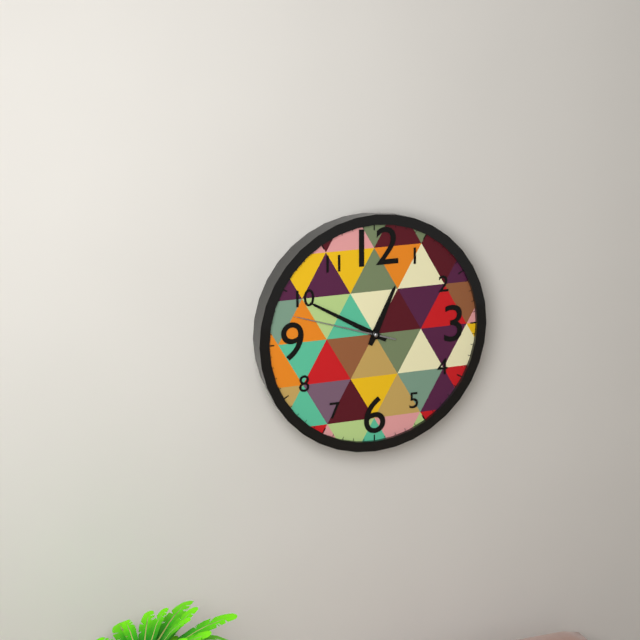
{"hour": 12, "minute": 50, "second": 48}
